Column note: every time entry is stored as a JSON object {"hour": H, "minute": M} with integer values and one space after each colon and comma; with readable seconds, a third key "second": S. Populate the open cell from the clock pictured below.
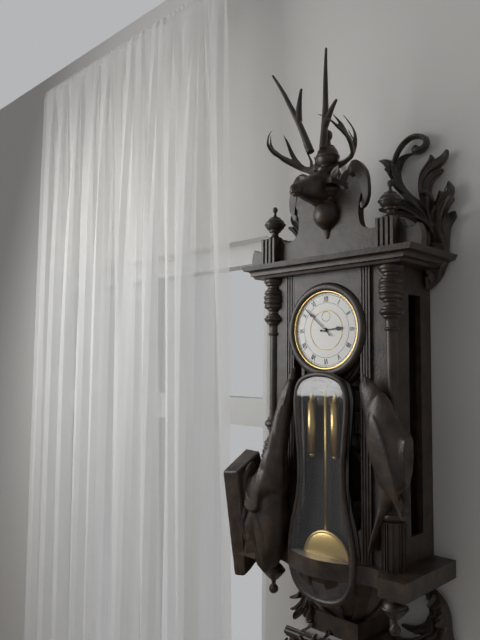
{"hour": 2, "minute": 52}
